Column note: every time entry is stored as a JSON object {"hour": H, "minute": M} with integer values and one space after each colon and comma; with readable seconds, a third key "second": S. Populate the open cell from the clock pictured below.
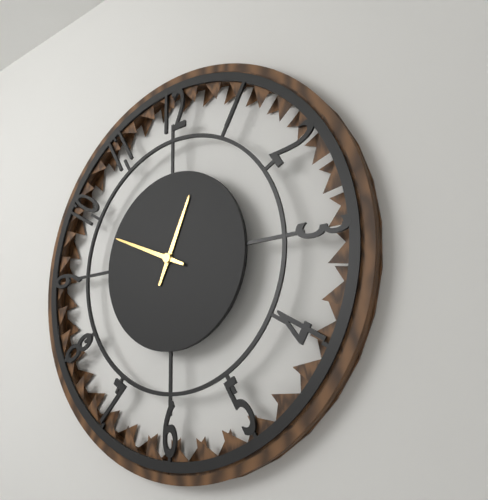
{"hour": 12, "minute": 49}
